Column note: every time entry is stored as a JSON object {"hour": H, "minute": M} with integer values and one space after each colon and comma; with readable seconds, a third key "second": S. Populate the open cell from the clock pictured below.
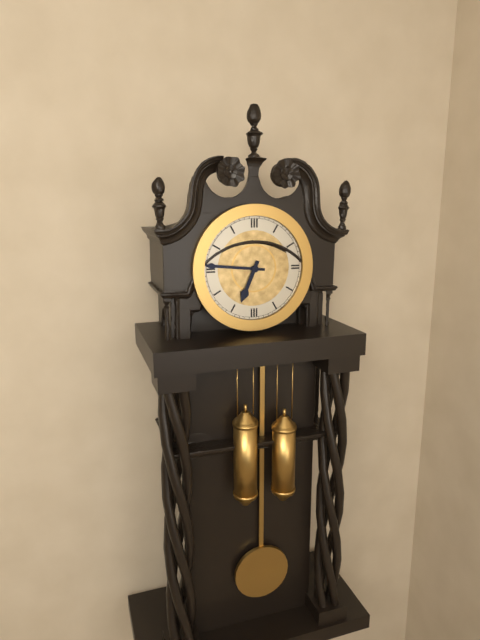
{"hour": 6, "minute": 46}
